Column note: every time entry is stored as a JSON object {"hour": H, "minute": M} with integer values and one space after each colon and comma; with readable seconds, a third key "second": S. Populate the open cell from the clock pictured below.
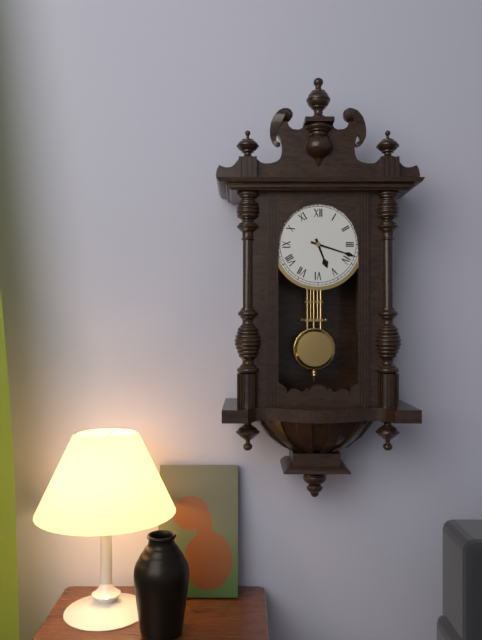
{"hour": 5, "minute": 18}
